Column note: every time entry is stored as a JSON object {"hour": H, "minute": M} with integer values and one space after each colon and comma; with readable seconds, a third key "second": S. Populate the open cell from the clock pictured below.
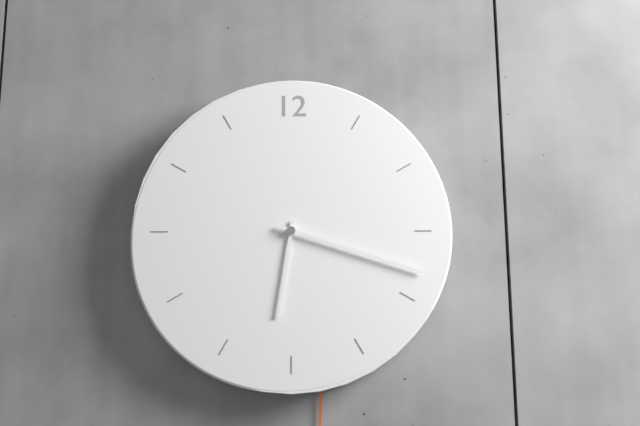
{"hour": 6, "minute": 18}
